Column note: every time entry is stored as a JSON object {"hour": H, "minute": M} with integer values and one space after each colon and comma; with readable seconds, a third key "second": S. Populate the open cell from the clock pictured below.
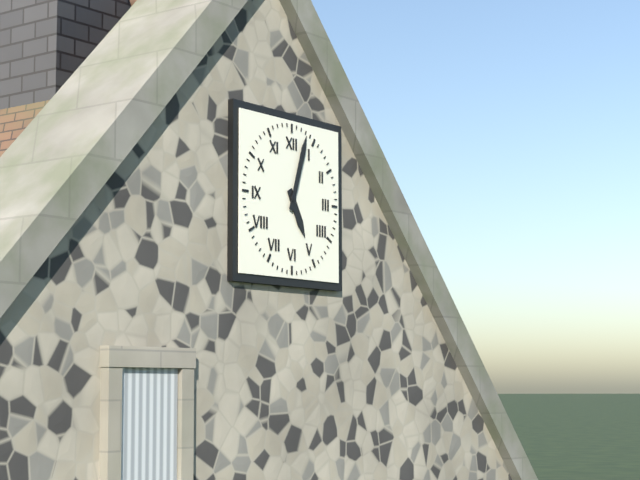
{"hour": 5, "minute": 3}
